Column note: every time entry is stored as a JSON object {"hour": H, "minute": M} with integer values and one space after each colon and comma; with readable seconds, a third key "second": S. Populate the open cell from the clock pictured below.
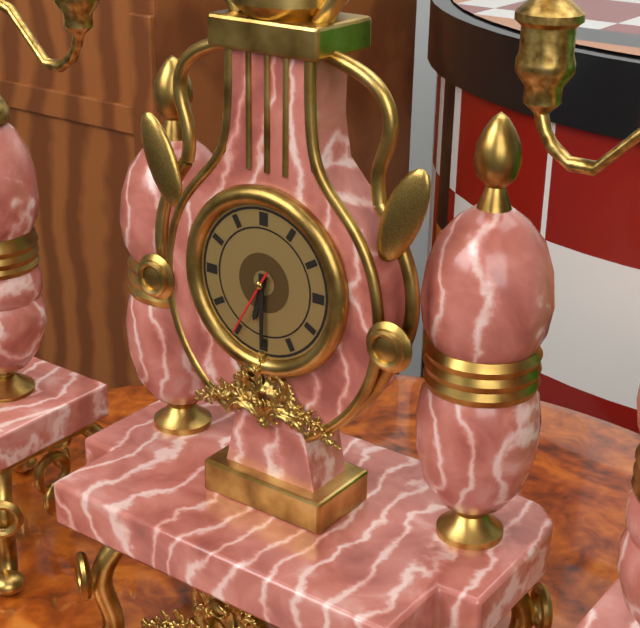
{"hour": 6, "minute": 30, "second": 35}
